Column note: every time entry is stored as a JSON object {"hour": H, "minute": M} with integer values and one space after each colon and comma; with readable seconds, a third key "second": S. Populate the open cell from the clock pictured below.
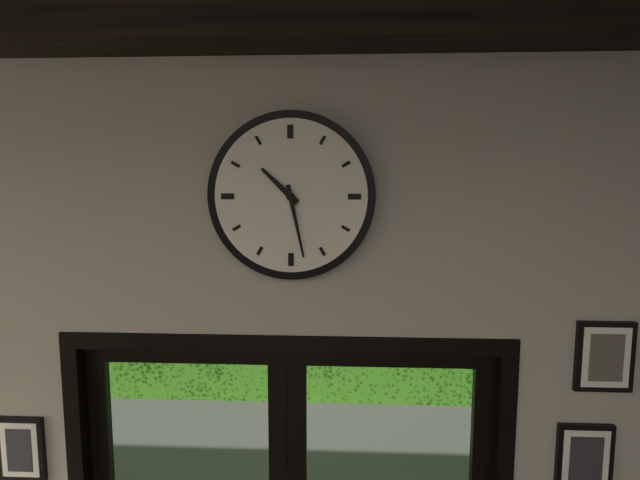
{"hour": 10, "minute": 28}
